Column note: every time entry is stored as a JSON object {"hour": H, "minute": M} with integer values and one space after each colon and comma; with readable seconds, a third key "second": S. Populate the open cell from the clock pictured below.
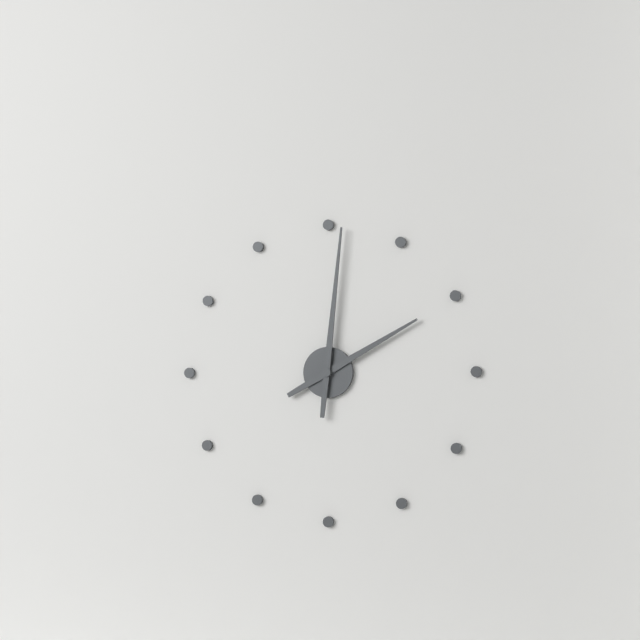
{"hour": 2, "minute": 1}
